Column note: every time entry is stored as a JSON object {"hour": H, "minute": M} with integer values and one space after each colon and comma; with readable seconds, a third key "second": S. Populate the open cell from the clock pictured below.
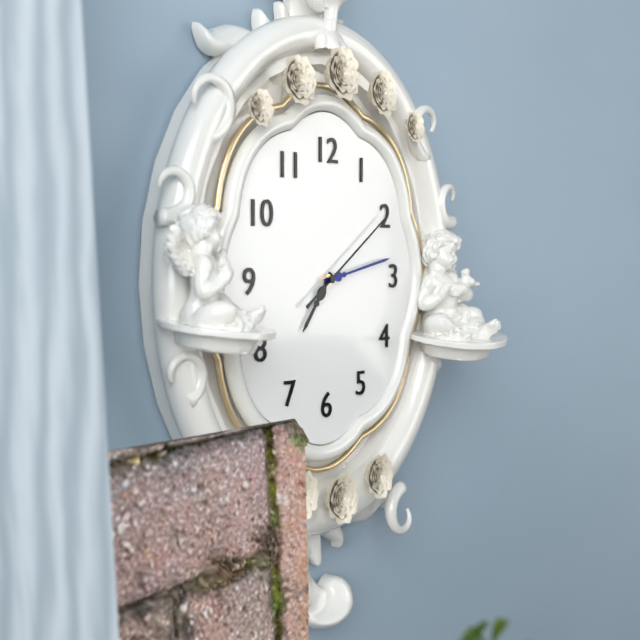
{"hour": 7, "minute": 13, "second": 9}
